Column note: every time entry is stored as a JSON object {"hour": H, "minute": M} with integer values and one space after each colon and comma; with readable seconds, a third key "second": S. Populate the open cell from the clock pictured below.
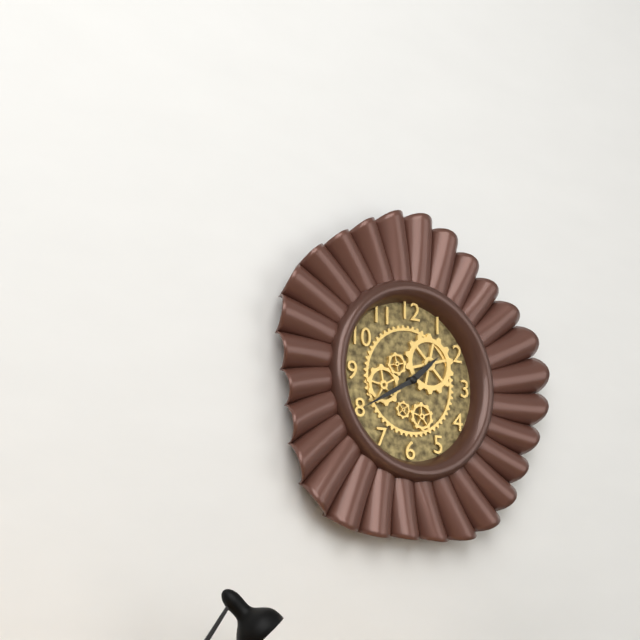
{"hour": 1, "minute": 40}
